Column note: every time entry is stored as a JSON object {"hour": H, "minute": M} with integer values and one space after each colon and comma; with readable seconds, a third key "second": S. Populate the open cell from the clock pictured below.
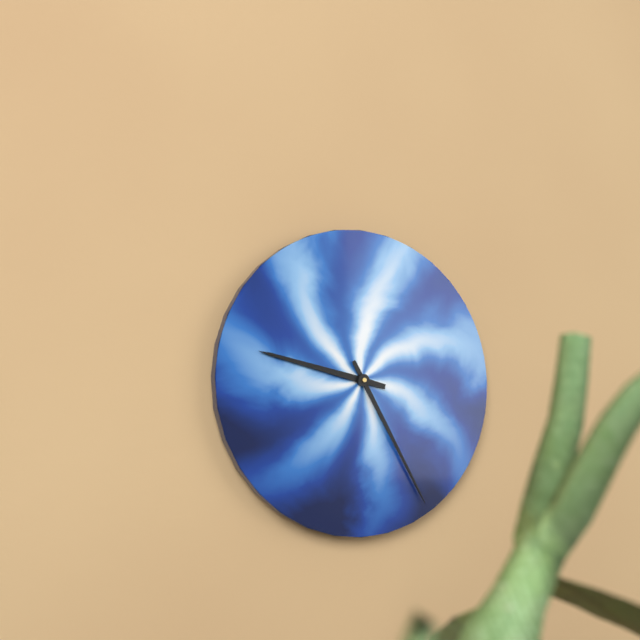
{"hour": 9, "minute": 25}
